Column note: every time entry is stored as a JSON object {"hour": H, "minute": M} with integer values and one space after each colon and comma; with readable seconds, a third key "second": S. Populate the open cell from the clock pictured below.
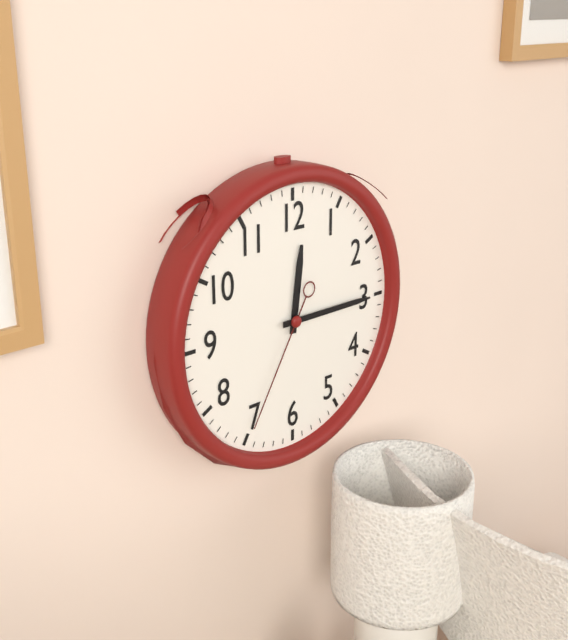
{"hour": 12, "minute": 15, "second": 35}
